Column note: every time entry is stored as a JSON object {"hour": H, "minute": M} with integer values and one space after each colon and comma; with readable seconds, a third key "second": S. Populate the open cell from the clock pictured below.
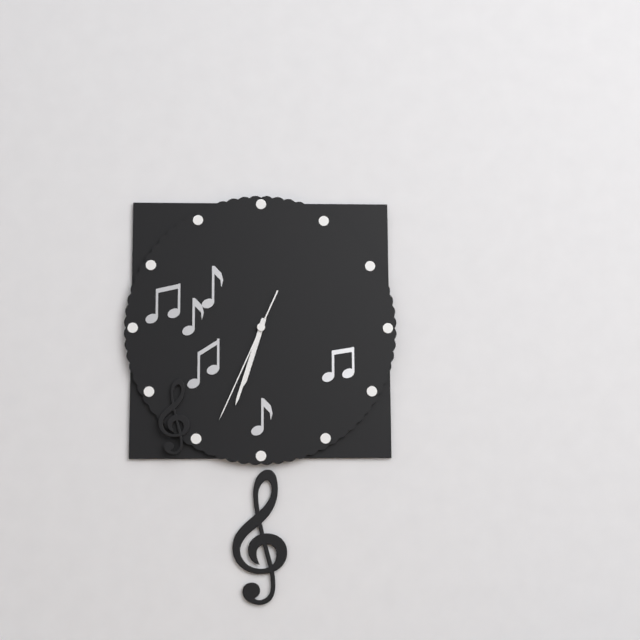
{"hour": 6, "minute": 33, "second": 34}
